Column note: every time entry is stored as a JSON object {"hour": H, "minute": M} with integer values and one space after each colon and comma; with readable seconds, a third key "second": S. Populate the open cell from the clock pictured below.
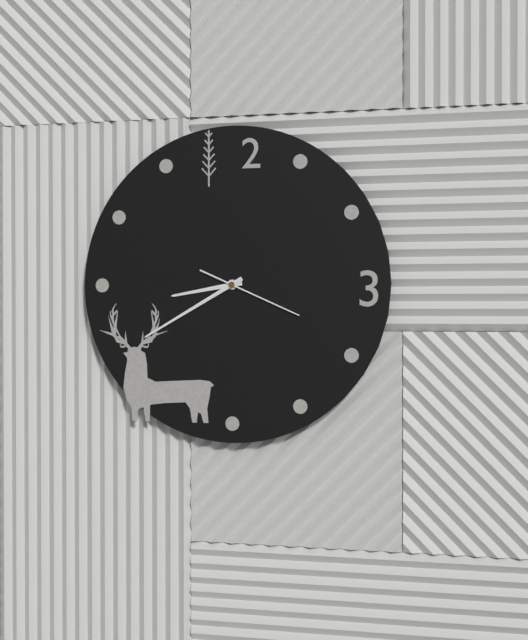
{"hour": 8, "minute": 40, "second": 19}
